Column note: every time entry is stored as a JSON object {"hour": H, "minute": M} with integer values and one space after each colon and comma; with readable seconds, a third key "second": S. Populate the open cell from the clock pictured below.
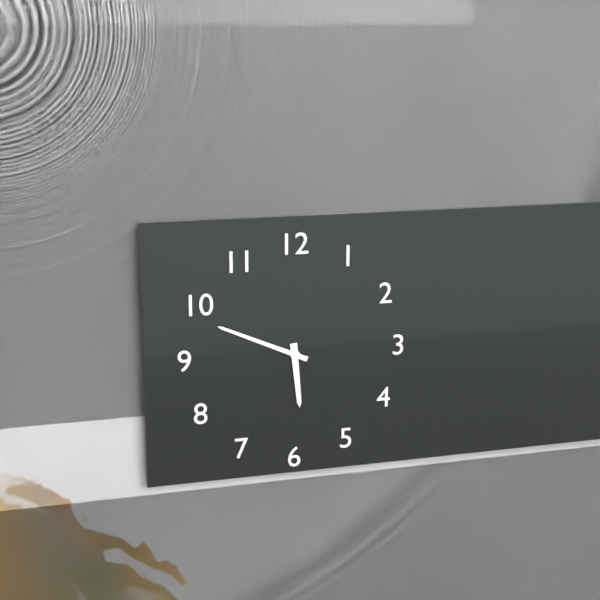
{"hour": 5, "minute": 49}
